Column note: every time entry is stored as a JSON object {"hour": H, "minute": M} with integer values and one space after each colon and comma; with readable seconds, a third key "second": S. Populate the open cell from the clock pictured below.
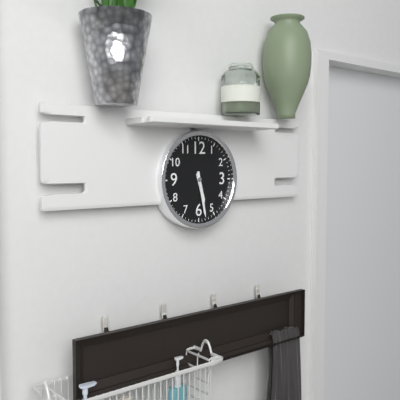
{"hour": 5, "minute": 28}
